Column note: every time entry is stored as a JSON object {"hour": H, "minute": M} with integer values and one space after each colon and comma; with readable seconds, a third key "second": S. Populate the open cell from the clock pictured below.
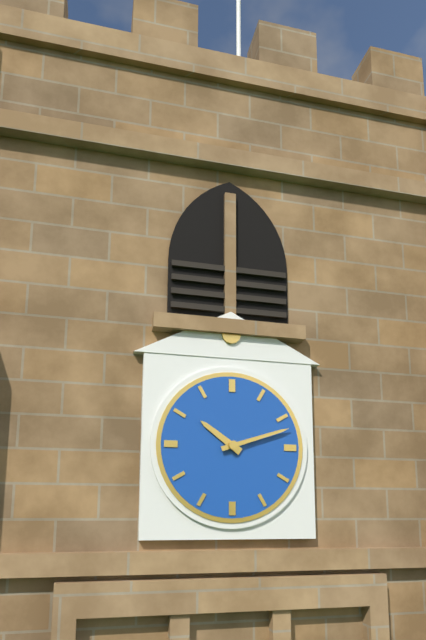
{"hour": 10, "minute": 12}
